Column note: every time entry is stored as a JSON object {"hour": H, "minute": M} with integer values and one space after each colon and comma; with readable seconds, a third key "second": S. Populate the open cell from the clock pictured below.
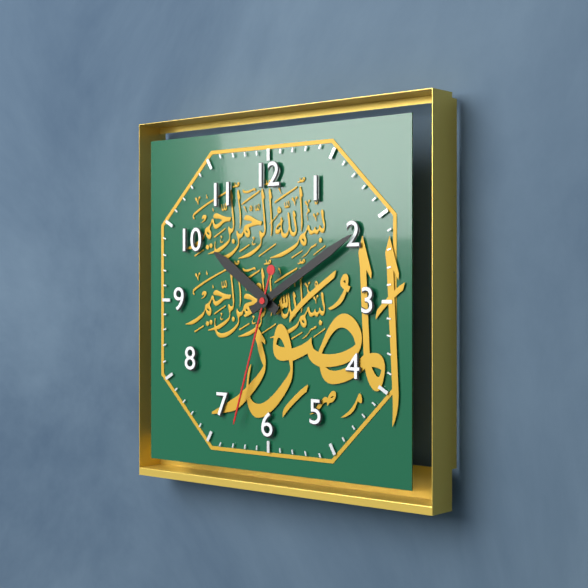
{"hour": 10, "minute": 10, "second": 33}
